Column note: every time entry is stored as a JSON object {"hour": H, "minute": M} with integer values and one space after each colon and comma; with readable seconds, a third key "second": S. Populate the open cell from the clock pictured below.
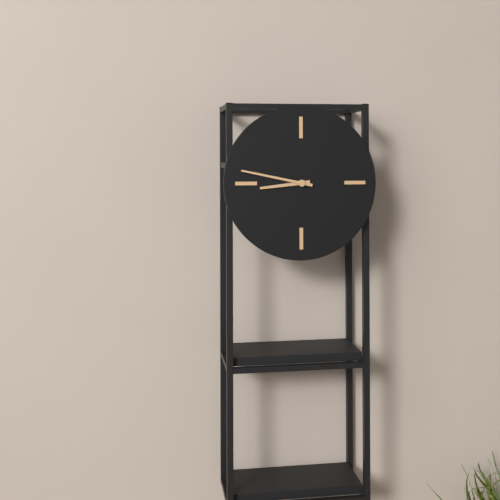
{"hour": 8, "minute": 47}
